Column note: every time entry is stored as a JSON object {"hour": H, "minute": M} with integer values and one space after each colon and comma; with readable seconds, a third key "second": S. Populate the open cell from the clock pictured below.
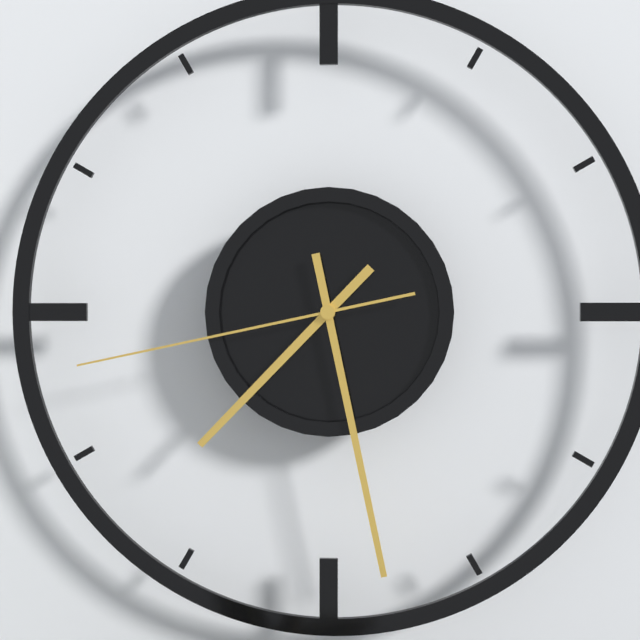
{"hour": 7, "minute": 28, "second": 43}
